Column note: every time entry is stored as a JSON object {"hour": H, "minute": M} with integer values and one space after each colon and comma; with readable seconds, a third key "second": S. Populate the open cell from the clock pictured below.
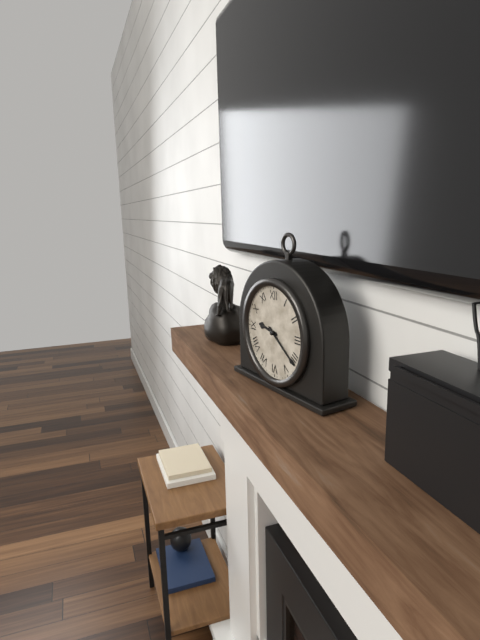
{"hour": 9, "minute": 21}
